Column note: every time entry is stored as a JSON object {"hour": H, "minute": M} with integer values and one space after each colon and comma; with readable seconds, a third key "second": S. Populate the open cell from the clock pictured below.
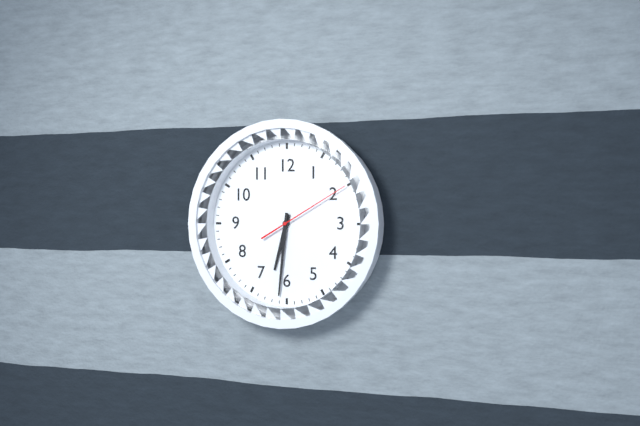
{"hour": 6, "minute": 31, "second": 10}
